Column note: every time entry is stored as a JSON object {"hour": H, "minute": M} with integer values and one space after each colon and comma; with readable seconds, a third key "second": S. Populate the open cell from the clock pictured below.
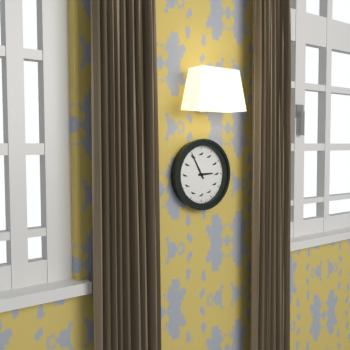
{"hour": 2, "minute": 55}
